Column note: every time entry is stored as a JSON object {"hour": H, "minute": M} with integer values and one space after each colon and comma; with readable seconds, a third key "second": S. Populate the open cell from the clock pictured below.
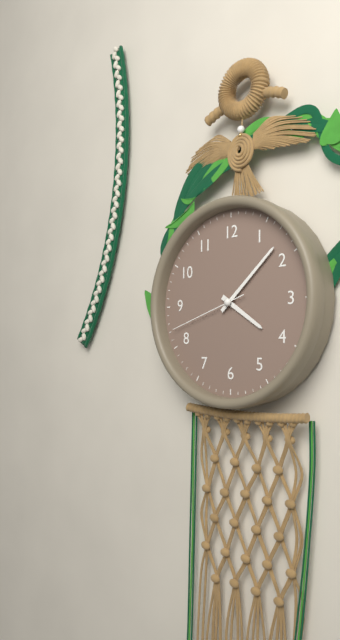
{"hour": 4, "minute": 8, "second": 42}
